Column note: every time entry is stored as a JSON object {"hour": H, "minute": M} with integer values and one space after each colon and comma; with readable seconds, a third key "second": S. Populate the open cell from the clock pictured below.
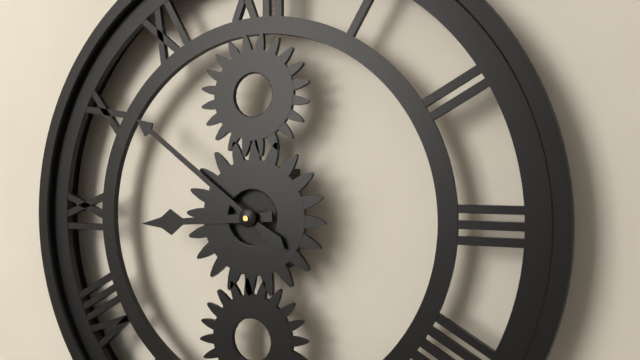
{"hour": 8, "minute": 51}
